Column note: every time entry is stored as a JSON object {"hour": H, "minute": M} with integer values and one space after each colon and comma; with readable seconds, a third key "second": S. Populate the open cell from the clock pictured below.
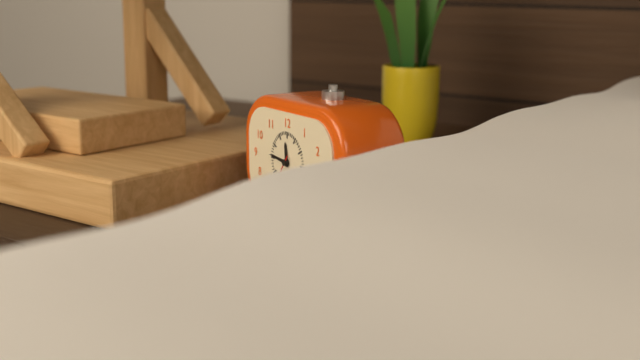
{"hour": 11, "minute": 46}
